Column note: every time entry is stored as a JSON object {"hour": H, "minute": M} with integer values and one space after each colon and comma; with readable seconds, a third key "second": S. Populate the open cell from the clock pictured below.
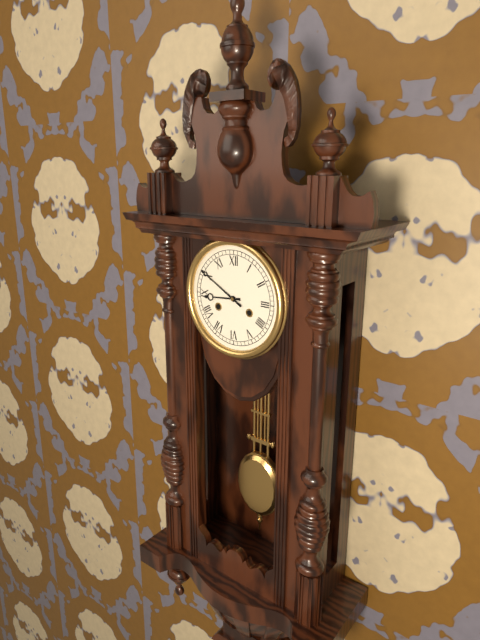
{"hour": 8, "minute": 50}
